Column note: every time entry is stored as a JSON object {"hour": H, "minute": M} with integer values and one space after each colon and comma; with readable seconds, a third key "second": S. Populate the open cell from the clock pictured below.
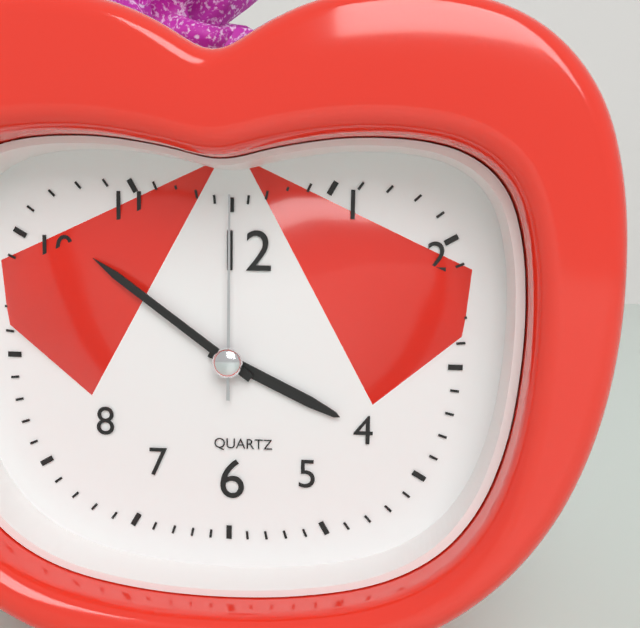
{"hour": 3, "minute": 51, "second": 0}
